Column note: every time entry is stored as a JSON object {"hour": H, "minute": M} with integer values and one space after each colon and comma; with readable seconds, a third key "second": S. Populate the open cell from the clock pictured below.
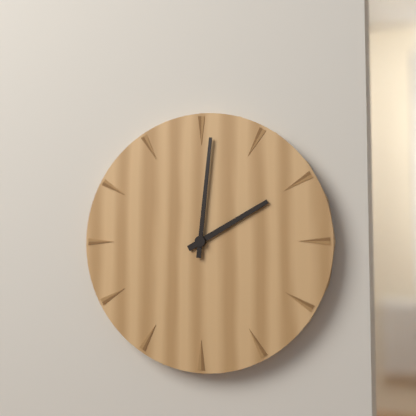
{"hour": 2, "minute": 1}
